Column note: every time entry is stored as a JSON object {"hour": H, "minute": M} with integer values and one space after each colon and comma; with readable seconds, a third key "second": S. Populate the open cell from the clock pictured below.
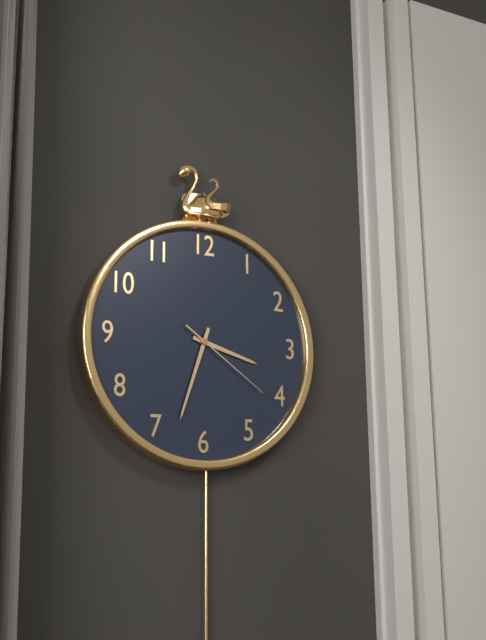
{"hour": 3, "minute": 33, "second": 21}
